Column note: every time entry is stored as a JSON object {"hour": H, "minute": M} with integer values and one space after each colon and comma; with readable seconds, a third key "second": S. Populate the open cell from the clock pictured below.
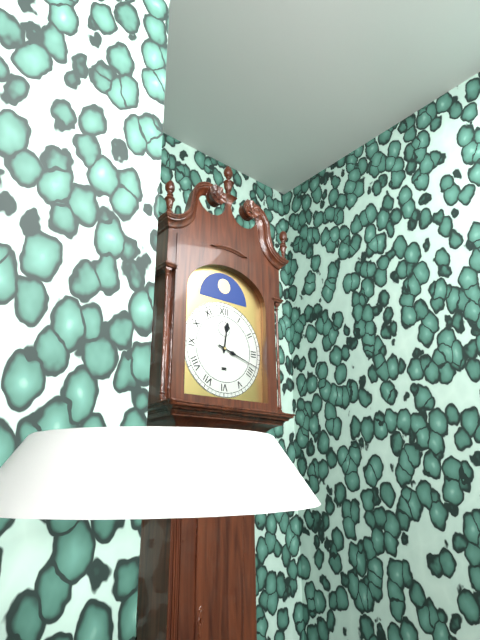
{"hour": 12, "minute": 18}
